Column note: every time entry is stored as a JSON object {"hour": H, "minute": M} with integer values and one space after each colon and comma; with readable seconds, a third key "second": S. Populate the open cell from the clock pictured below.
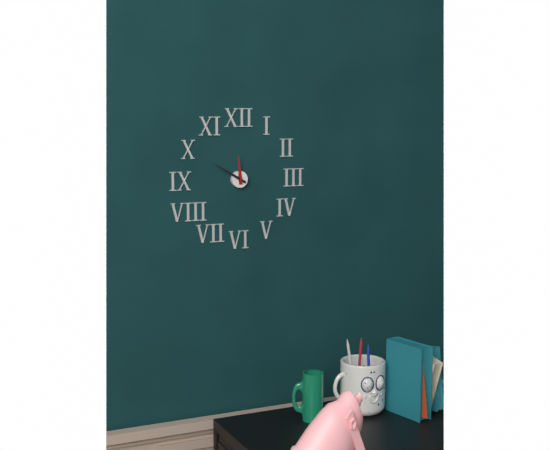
{"hour": 11, "minute": 50}
